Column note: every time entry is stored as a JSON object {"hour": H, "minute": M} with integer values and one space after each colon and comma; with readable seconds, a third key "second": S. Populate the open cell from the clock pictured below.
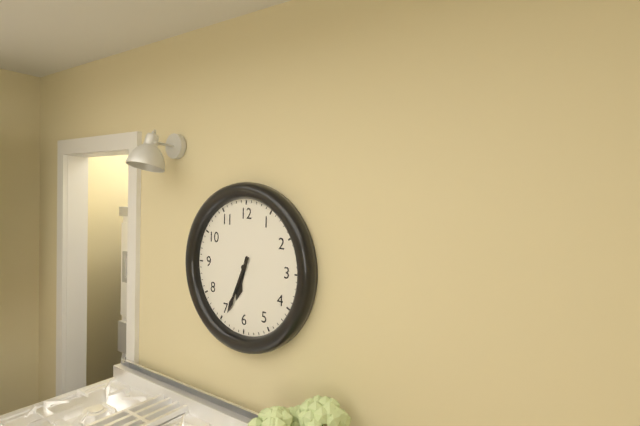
{"hour": 6, "minute": 34}
